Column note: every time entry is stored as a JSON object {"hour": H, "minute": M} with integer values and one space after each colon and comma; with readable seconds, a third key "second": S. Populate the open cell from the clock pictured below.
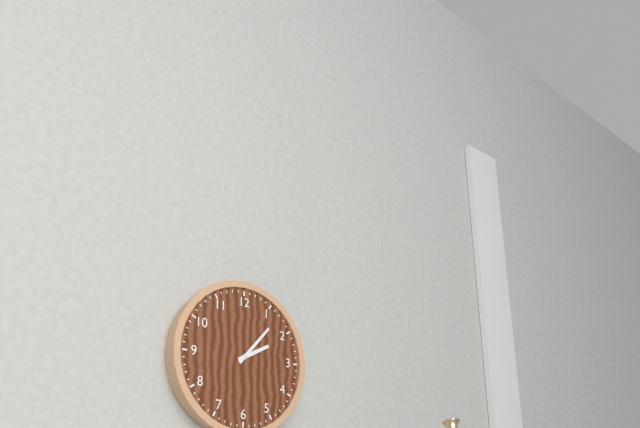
{"hour": 2, "minute": 7}
